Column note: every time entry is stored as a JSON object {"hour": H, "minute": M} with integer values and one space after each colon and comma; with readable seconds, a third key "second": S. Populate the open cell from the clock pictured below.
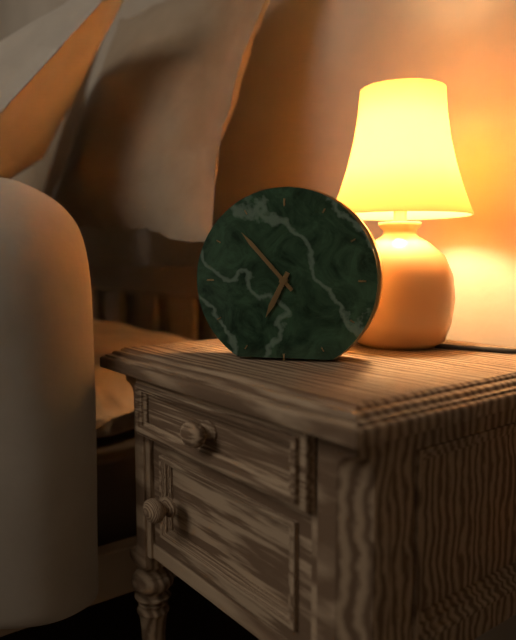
{"hour": 6, "minute": 53}
